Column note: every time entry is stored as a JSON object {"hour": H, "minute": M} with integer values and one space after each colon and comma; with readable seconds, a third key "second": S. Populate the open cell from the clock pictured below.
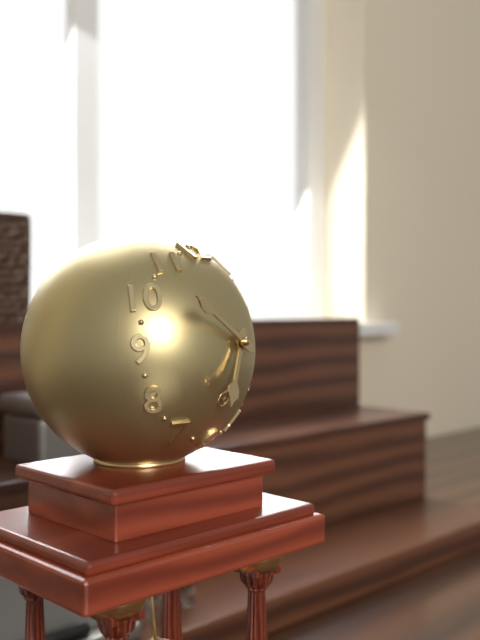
{"hour": 6, "minute": 50}
